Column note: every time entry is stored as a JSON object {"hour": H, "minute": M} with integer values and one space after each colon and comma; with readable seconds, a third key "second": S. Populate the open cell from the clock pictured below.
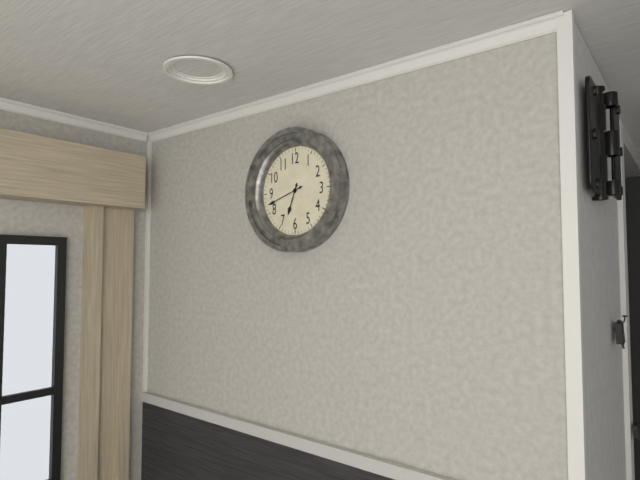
{"hour": 6, "minute": 42}
